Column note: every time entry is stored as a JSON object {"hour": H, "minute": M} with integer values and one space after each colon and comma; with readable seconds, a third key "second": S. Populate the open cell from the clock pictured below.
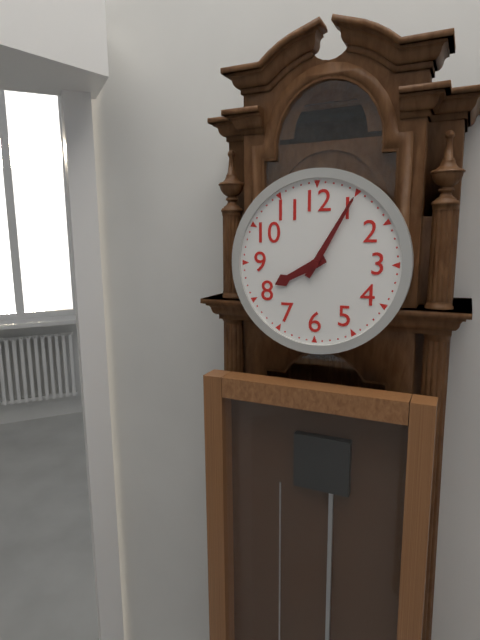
{"hour": 8, "minute": 5}
